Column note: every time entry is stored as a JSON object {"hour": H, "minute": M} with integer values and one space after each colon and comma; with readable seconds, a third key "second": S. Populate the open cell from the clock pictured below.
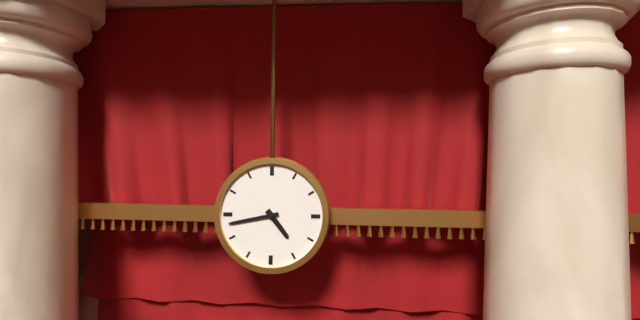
{"hour": 4, "minute": 43}
